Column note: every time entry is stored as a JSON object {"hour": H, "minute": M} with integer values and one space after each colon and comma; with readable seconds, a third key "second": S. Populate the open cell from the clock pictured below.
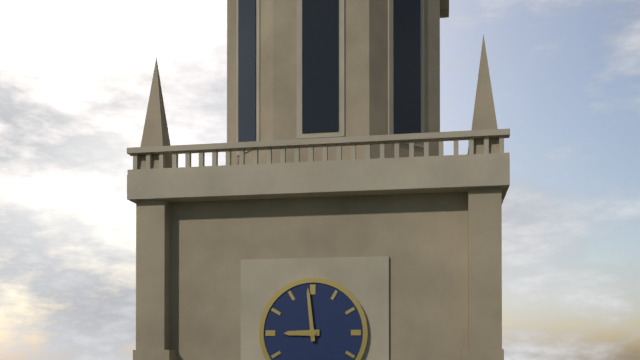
{"hour": 8, "minute": 59}
